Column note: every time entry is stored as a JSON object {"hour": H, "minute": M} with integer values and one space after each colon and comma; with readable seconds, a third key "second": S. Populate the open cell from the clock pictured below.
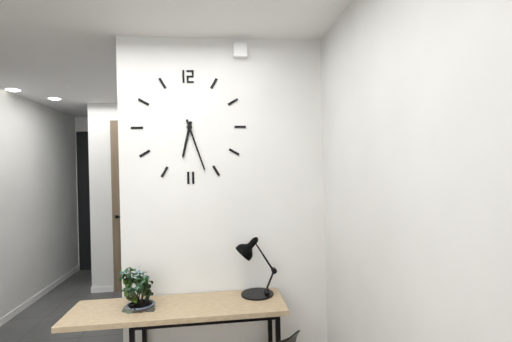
{"hour": 6, "minute": 27}
